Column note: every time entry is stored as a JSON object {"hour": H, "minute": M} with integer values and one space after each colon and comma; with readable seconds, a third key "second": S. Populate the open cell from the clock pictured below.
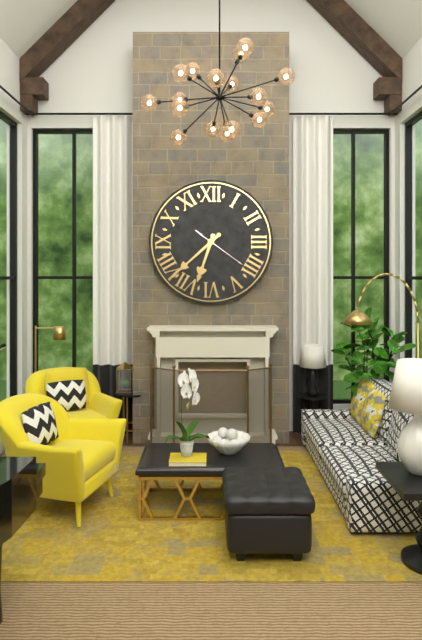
{"hour": 6, "minute": 38}
